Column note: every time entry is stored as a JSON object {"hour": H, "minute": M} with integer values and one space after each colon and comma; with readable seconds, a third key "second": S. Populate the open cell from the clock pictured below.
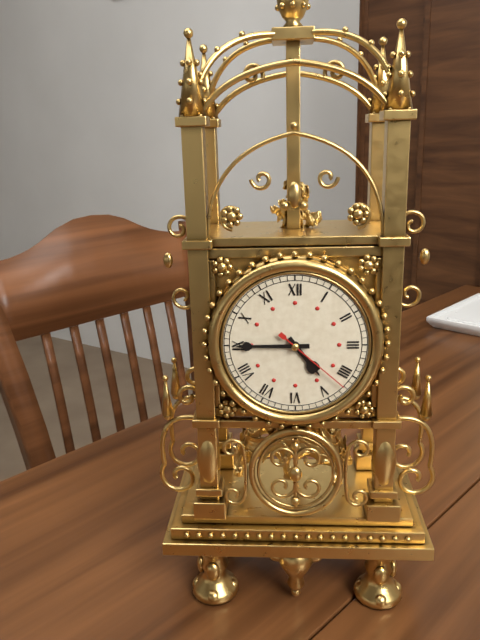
{"hour": 4, "minute": 45, "second": 22}
